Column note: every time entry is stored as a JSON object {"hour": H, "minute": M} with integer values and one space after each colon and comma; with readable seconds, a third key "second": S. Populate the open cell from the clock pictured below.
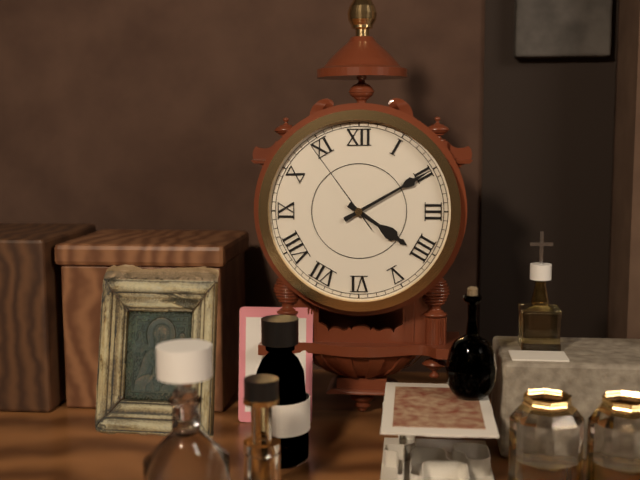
{"hour": 4, "minute": 10, "second": 54}
